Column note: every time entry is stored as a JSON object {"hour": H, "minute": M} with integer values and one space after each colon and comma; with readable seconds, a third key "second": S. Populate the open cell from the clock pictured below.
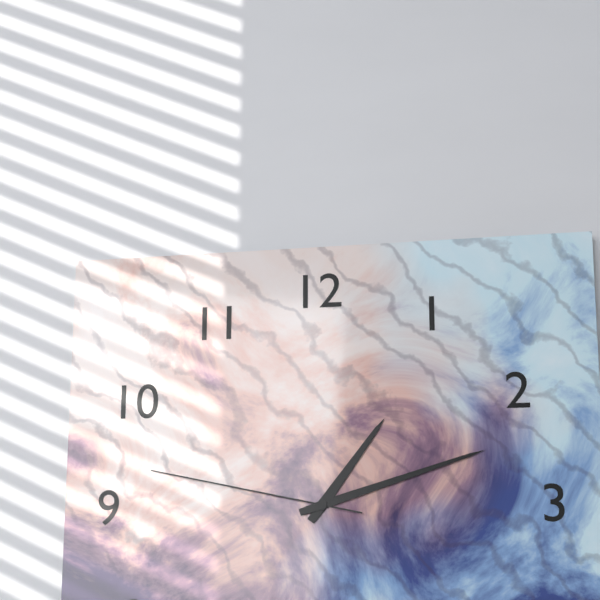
{"hour": 1, "minute": 12, "second": 47}
